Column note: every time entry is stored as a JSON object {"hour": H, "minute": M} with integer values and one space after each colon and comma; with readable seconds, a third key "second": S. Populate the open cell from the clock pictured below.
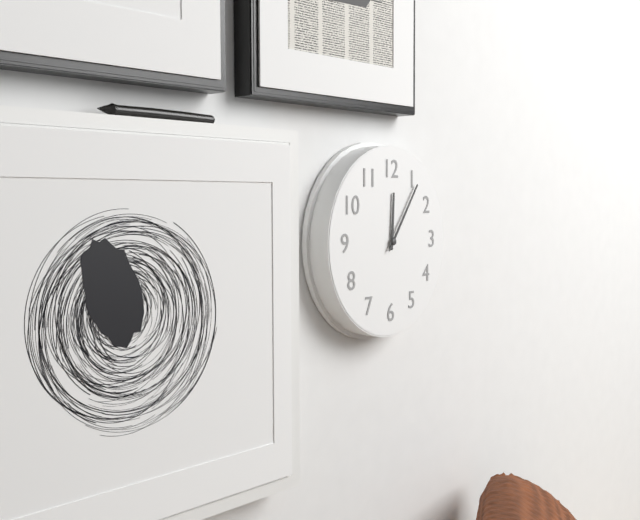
{"hour": 12, "minute": 6}
